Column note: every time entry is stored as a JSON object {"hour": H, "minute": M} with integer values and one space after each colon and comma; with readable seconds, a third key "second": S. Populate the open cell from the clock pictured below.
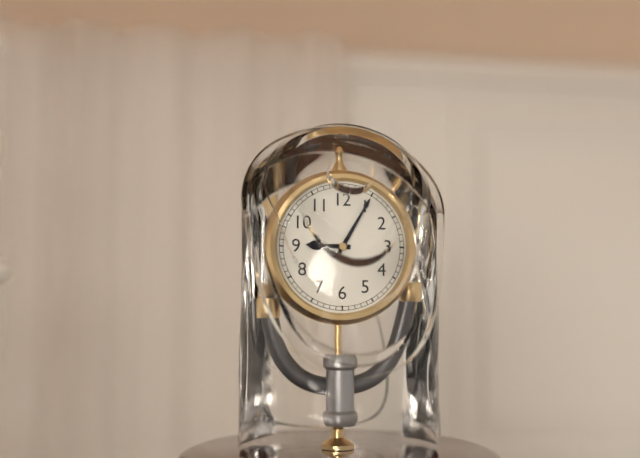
{"hour": 9, "minute": 5}
